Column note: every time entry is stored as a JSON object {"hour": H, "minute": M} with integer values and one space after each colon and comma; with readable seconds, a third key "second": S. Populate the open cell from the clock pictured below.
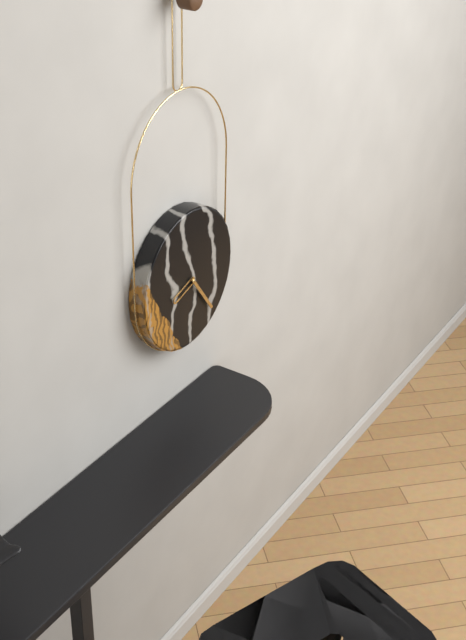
{"hour": 8, "minute": 24}
